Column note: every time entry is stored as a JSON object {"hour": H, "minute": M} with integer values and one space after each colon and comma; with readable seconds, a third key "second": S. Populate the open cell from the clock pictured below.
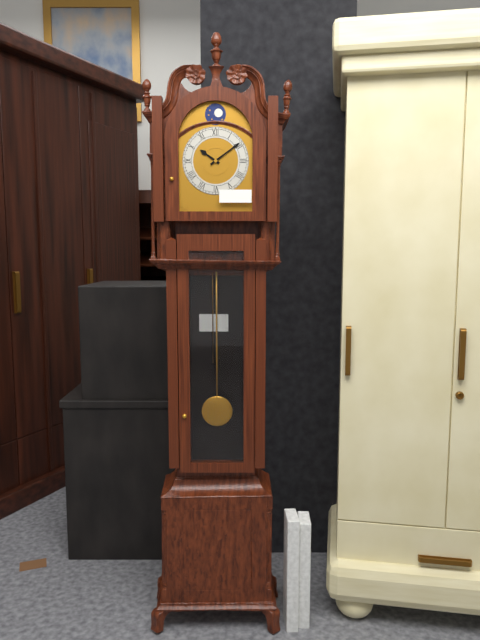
{"hour": 10, "minute": 9}
